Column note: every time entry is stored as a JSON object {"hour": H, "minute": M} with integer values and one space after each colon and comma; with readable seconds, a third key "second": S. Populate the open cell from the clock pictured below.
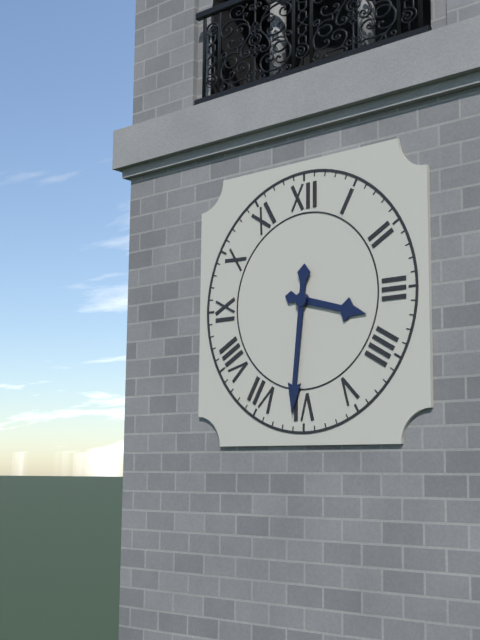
{"hour": 3, "minute": 31}
